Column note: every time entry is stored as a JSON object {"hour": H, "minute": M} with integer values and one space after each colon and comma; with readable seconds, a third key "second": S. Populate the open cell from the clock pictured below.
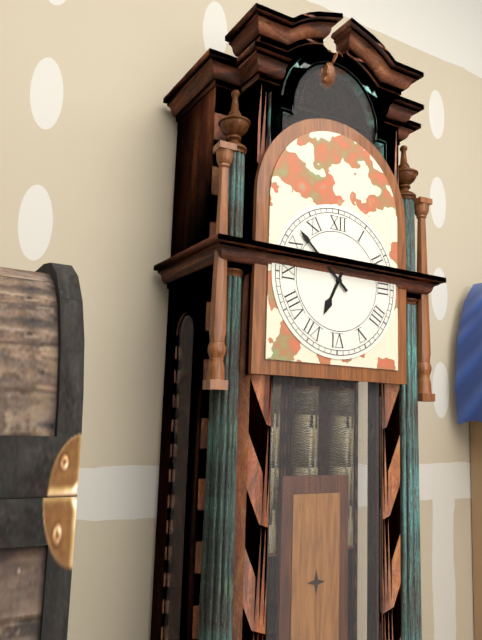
{"hour": 6, "minute": 52}
